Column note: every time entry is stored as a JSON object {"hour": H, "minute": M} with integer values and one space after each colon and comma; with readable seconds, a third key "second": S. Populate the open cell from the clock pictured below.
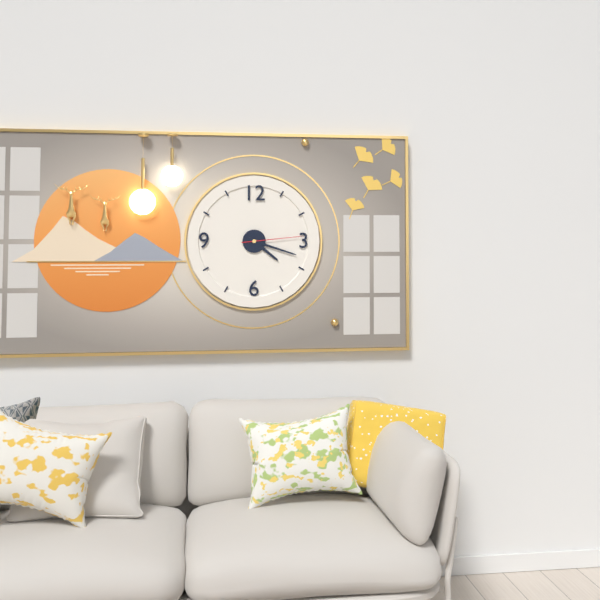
{"hour": 4, "minute": 18, "second": 14}
